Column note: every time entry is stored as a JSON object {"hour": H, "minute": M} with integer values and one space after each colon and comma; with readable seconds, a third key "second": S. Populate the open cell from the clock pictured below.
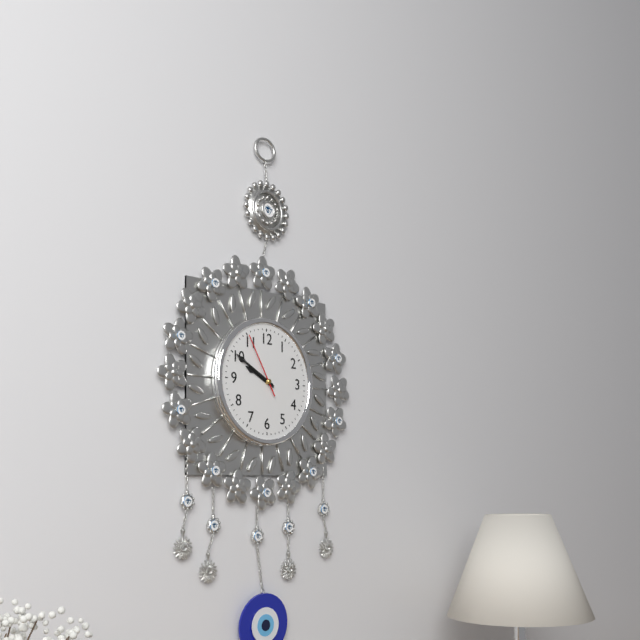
{"hour": 9, "minute": 50, "second": 55}
